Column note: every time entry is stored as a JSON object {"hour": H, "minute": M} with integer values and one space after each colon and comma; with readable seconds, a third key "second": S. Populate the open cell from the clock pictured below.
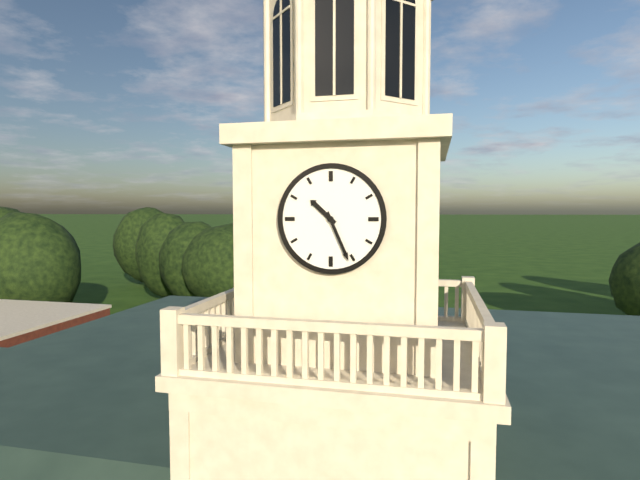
{"hour": 10, "minute": 26}
